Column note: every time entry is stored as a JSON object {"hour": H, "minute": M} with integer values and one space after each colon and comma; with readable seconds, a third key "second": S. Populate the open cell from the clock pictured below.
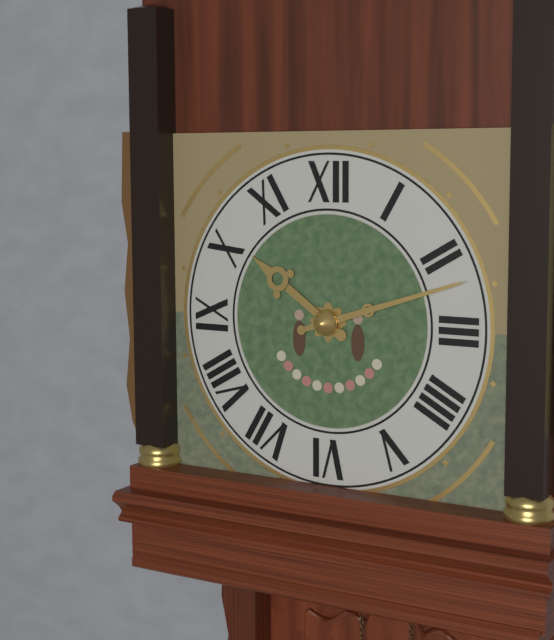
{"hour": 10, "minute": 12}
